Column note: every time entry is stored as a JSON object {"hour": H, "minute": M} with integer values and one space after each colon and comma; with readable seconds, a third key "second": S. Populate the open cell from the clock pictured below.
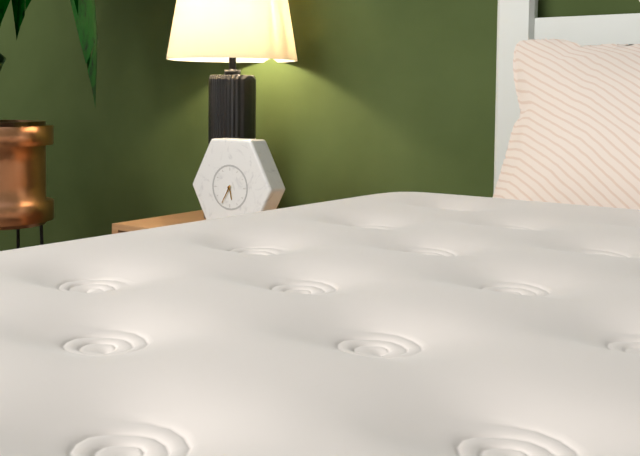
{"hour": 5, "minute": 35}
